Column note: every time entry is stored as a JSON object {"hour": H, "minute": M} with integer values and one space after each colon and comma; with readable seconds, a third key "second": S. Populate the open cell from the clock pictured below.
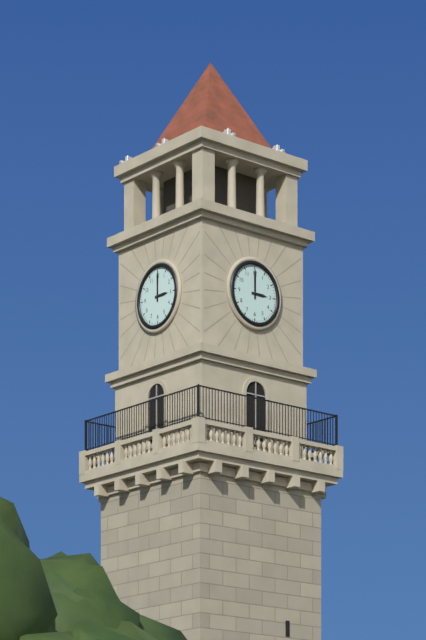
{"hour": 3, "minute": 0}
